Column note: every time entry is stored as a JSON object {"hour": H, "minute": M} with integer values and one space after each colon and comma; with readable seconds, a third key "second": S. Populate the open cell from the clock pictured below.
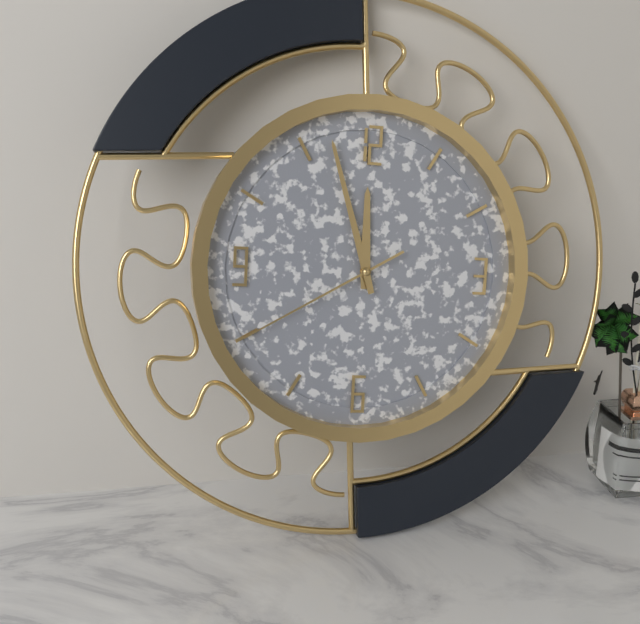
{"hour": 11, "minute": 57, "second": 40}
